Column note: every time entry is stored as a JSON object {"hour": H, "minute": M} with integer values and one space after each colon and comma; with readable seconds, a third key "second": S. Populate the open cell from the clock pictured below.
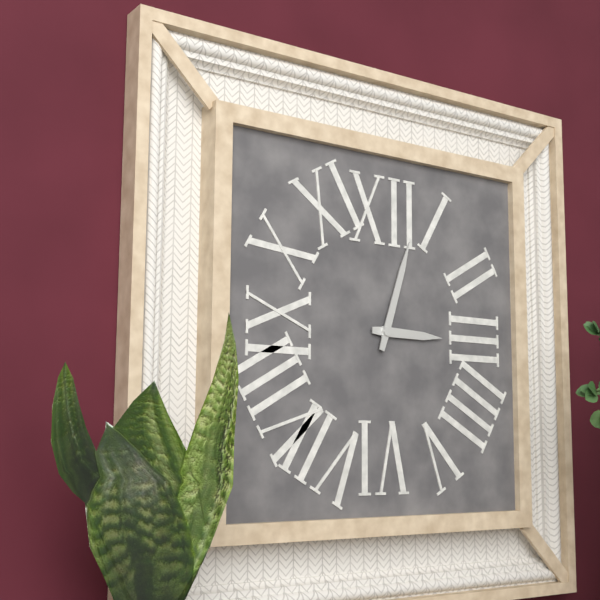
{"hour": 3, "minute": 3}
